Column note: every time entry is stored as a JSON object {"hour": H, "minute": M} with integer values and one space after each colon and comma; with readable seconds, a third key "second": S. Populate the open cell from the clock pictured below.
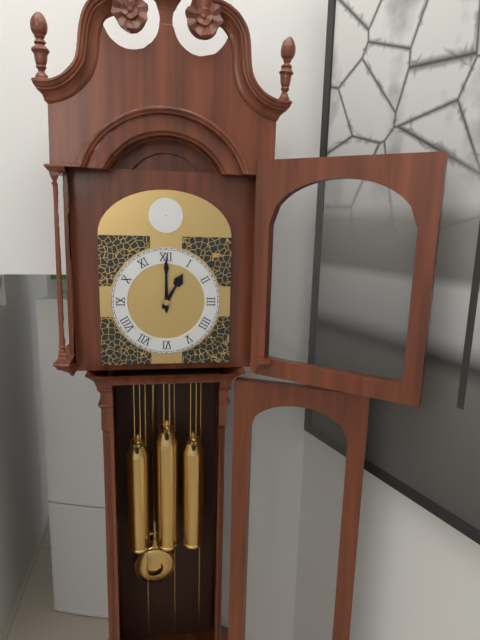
{"hour": 1, "minute": 0}
